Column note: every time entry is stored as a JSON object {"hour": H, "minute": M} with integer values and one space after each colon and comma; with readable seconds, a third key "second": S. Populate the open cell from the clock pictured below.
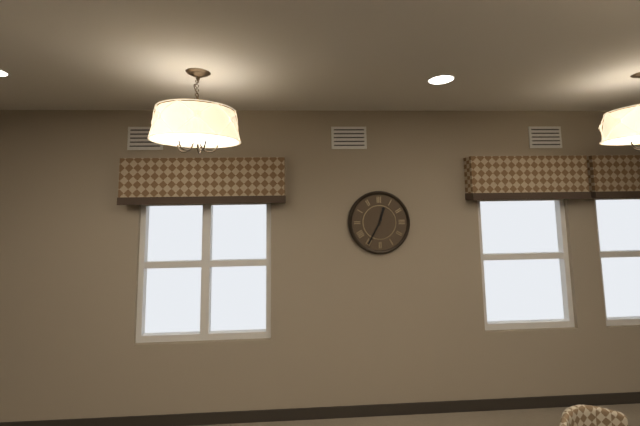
{"hour": 12, "minute": 35}
